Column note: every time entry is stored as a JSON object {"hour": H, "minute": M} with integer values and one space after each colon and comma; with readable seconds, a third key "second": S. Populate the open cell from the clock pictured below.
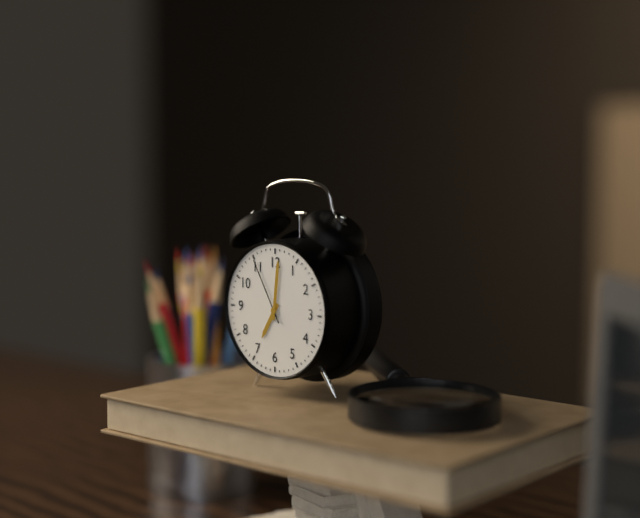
{"hour": 7, "minute": 1, "second": 55}
